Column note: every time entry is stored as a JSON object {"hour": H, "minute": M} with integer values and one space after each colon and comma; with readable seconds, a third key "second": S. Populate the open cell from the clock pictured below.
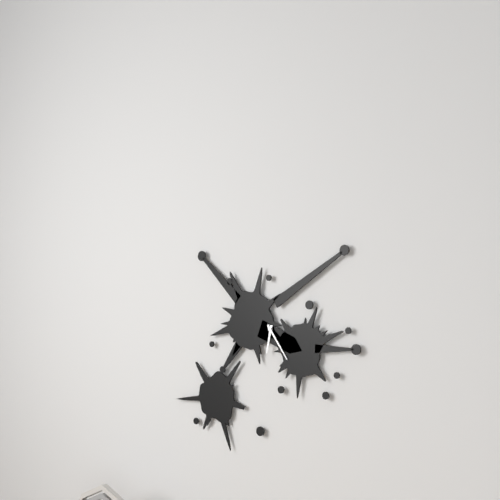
{"hour": 6, "minute": 24}
